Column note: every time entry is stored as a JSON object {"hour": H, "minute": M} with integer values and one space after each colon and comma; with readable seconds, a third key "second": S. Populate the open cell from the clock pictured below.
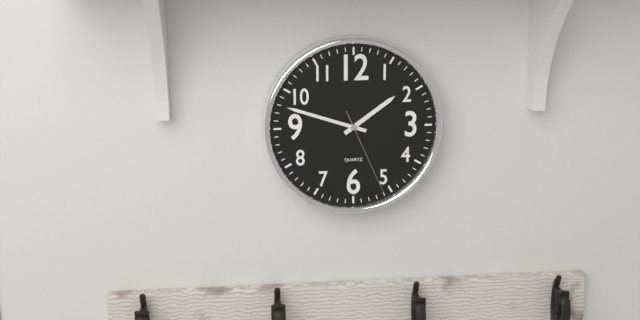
{"hour": 1, "minute": 48, "second": 26}
